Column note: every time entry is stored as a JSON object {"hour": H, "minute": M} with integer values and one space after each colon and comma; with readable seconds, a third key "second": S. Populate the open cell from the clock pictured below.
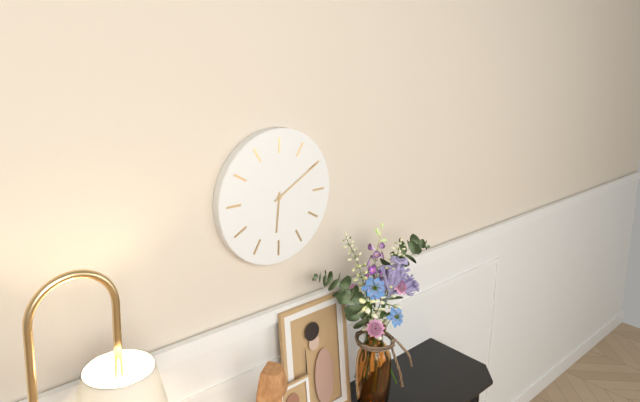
{"hour": 6, "minute": 10}
